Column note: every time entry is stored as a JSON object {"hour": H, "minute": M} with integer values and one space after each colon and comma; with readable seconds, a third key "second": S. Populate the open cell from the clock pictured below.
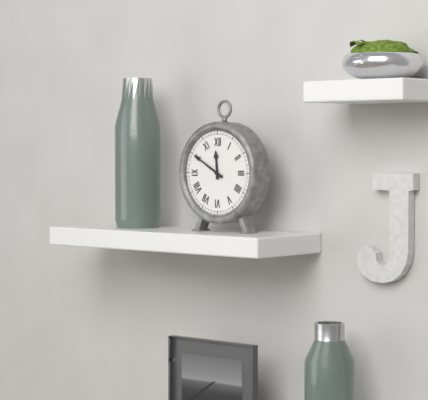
{"hour": 11, "minute": 50}
